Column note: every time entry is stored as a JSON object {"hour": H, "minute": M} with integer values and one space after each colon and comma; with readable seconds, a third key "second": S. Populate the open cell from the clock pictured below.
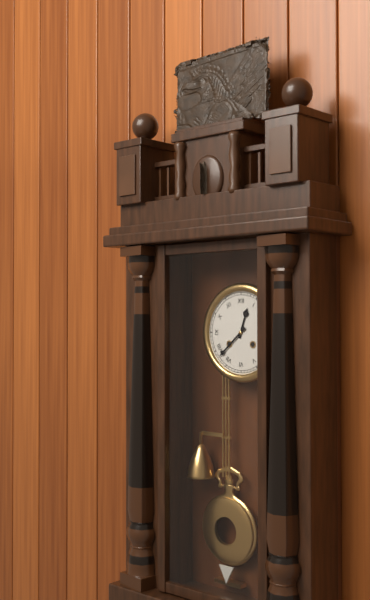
{"hour": 12, "minute": 38}
